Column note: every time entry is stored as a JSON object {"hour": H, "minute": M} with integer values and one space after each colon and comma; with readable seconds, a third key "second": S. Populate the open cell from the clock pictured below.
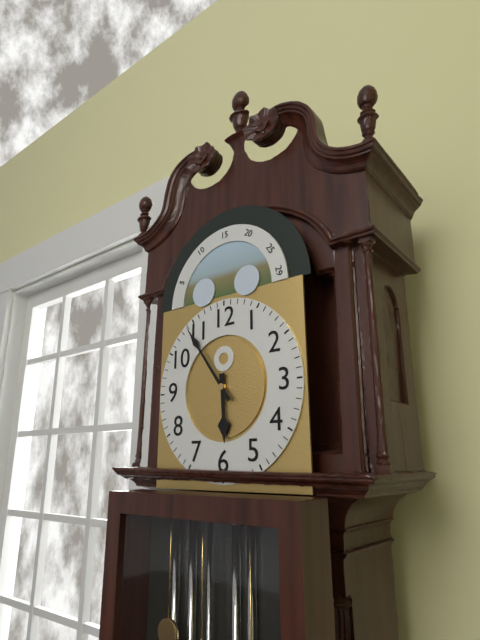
{"hour": 5, "minute": 54}
